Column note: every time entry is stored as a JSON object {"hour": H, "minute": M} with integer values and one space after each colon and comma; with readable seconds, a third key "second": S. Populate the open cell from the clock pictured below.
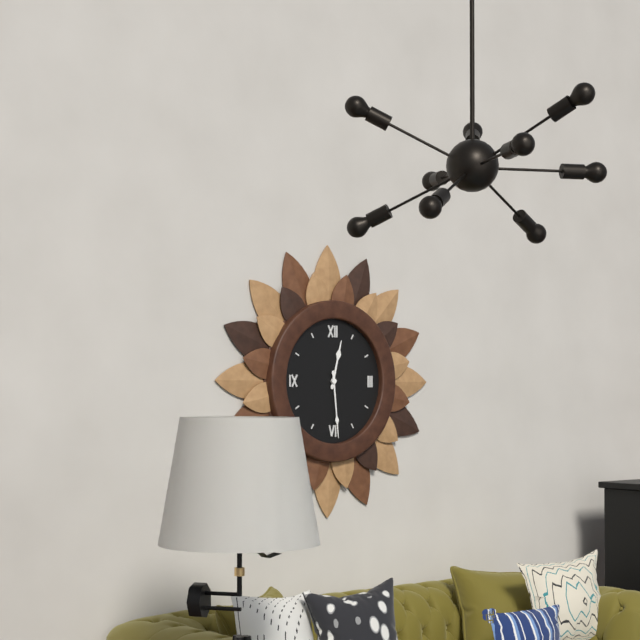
{"hour": 12, "minute": 29}
